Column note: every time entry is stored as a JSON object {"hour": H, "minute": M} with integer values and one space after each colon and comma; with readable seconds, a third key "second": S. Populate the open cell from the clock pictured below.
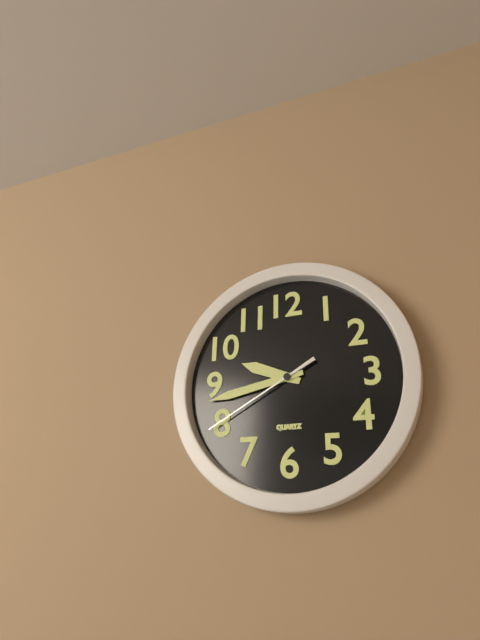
{"hour": 9, "minute": 43, "second": 40}
